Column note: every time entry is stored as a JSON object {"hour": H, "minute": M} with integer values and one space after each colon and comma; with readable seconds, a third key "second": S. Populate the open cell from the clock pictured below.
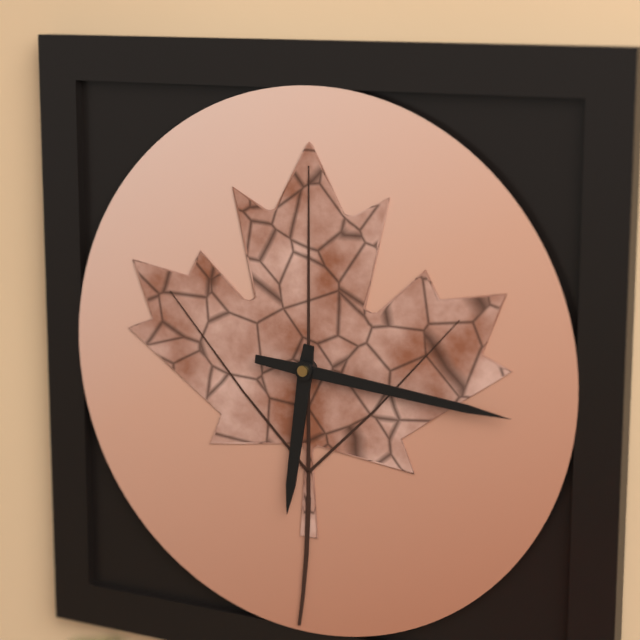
{"hour": 6, "minute": 16}
